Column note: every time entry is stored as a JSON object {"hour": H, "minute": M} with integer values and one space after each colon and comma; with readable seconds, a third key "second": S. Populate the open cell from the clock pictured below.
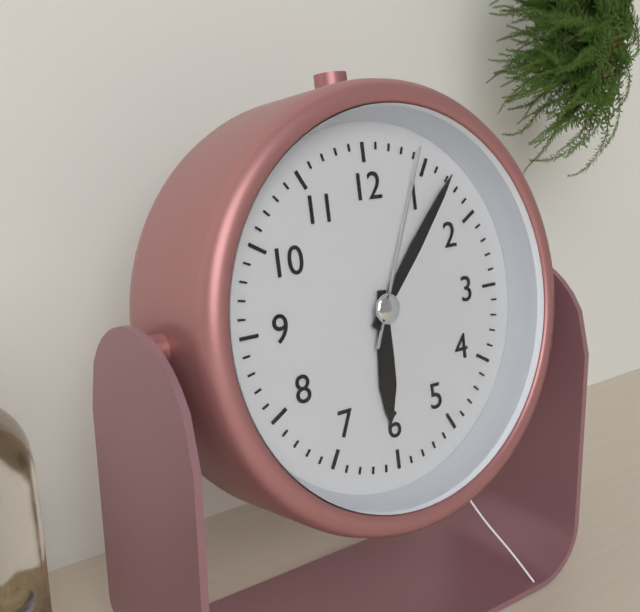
{"hour": 6, "minute": 7, "second": 4}
